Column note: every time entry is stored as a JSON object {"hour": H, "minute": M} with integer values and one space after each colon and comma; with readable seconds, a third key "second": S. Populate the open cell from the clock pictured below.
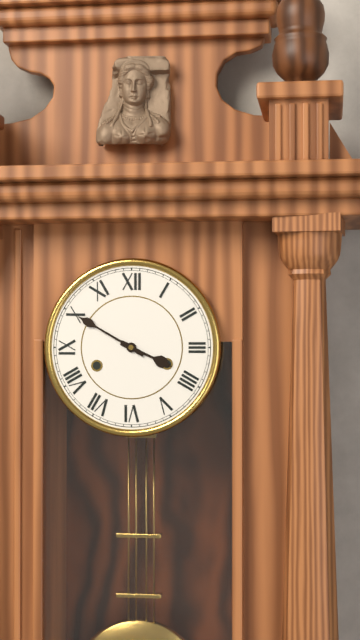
{"hour": 3, "minute": 50}
